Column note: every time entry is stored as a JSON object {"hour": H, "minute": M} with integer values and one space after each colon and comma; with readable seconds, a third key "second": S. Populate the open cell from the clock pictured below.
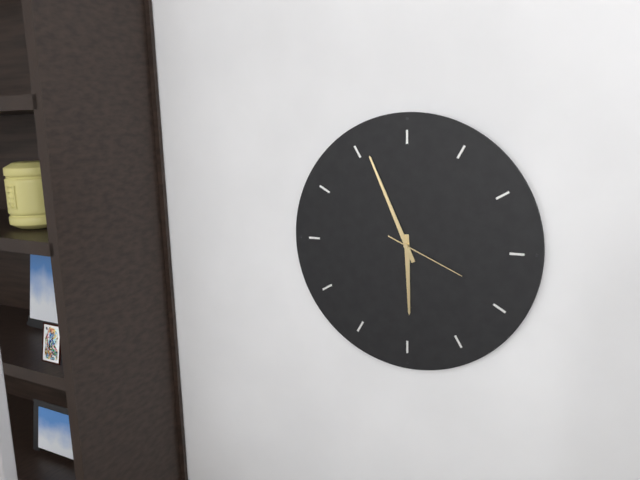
{"hour": 5, "minute": 56, "second": 19}
